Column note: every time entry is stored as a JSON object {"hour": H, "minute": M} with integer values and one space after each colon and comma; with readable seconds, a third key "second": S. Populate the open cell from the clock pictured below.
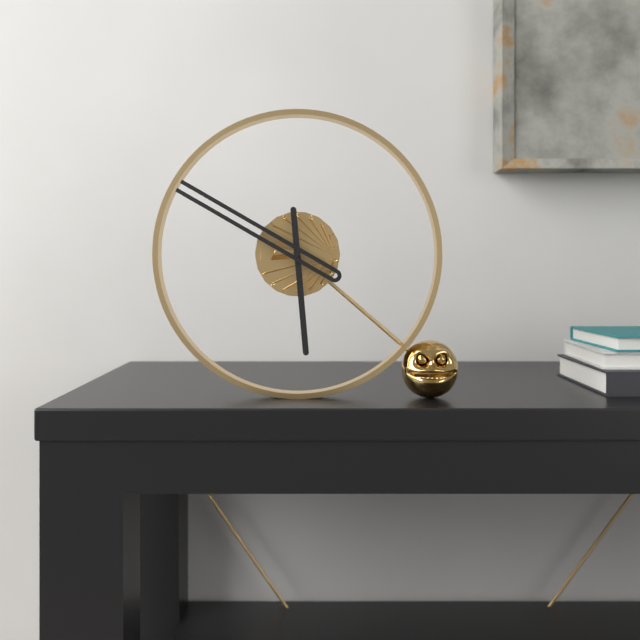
{"hour": 5, "minute": 50}
